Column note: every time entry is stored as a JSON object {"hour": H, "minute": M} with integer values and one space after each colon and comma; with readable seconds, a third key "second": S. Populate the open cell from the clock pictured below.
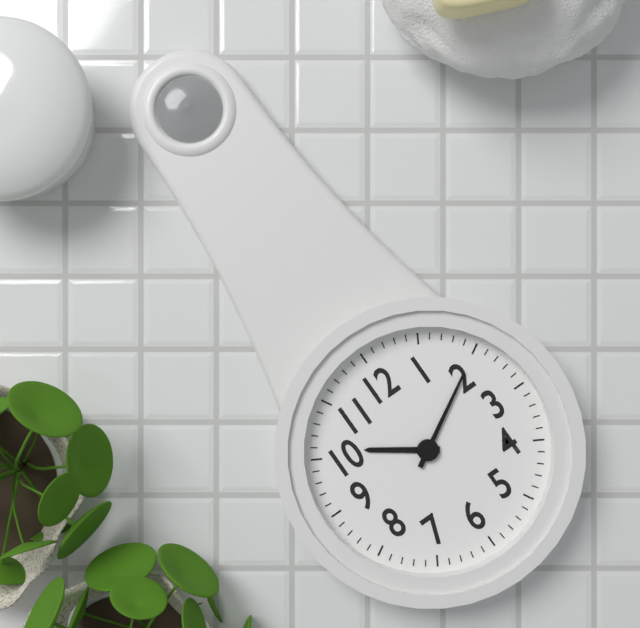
{"hour": 10, "minute": 10}
